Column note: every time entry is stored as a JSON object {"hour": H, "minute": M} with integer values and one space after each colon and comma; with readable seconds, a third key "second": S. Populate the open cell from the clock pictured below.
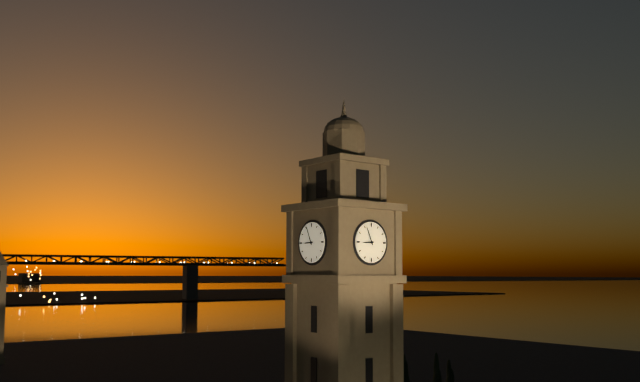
{"hour": 8, "minute": 56}
